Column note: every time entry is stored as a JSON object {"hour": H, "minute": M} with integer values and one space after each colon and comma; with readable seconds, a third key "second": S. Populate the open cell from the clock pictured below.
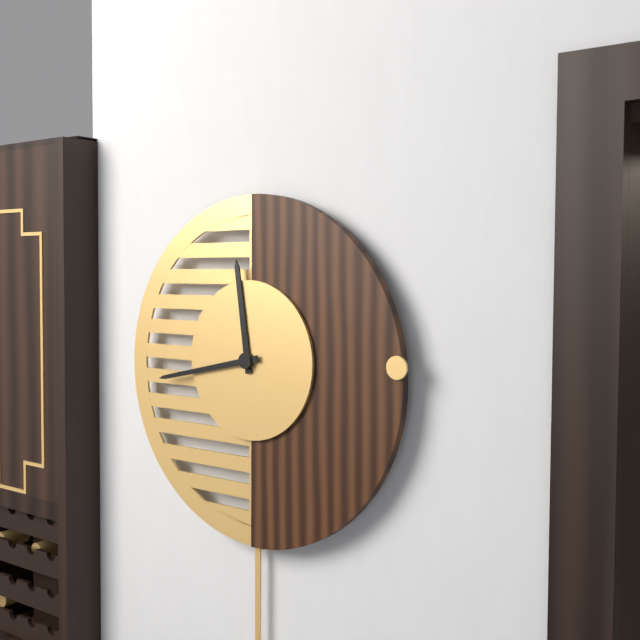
{"hour": 11, "minute": 43}
